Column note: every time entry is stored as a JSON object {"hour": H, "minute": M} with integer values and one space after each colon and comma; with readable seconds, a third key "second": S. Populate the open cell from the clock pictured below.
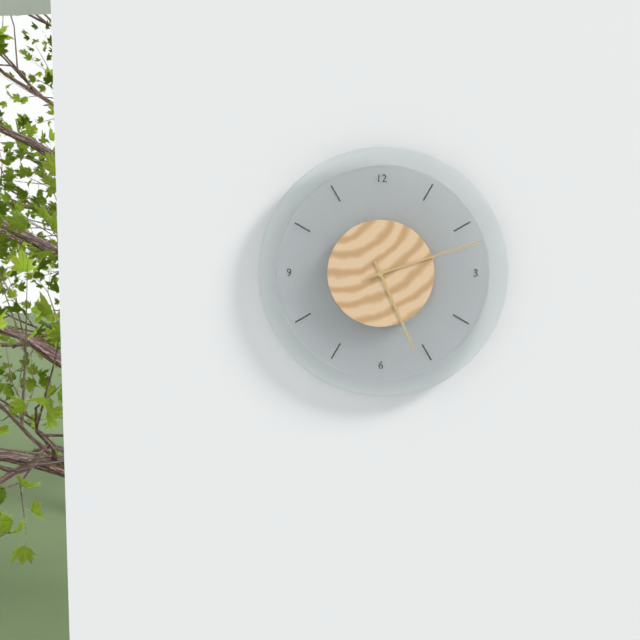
{"hour": 5, "minute": 12}
